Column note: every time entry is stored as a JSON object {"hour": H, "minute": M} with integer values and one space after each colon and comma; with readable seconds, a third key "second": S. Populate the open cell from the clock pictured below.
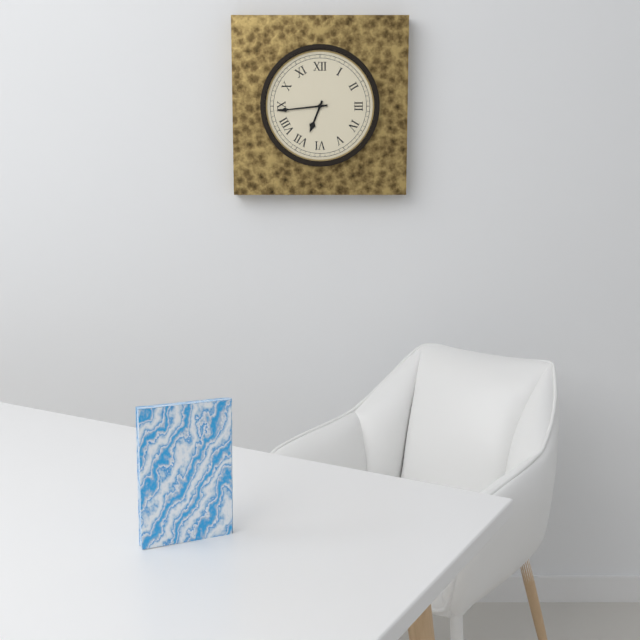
{"hour": 6, "minute": 44}
